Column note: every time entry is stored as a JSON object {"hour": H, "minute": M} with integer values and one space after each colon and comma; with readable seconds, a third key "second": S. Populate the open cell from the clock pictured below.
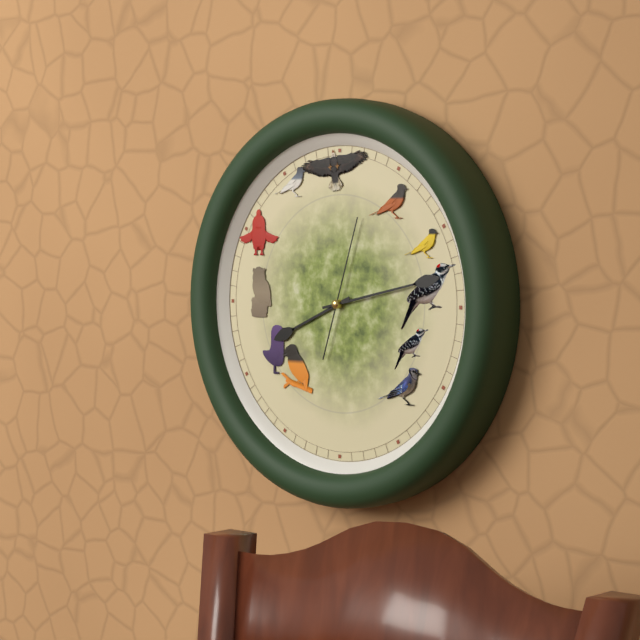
{"hour": 8, "minute": 13, "second": 3}
